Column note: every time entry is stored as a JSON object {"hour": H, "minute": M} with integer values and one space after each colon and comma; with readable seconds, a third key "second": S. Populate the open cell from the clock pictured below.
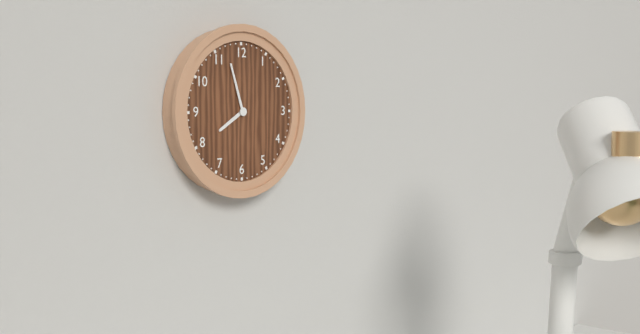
{"hour": 7, "minute": 57}
